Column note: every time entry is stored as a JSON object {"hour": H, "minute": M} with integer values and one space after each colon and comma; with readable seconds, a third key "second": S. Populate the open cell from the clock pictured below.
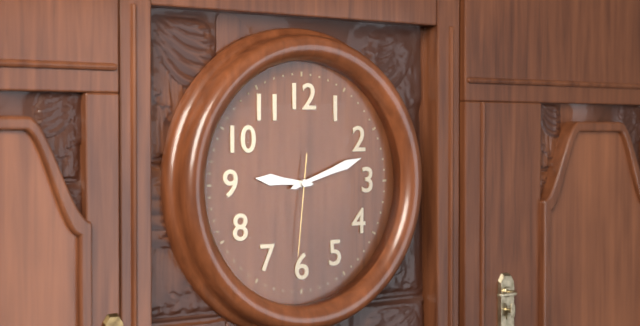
{"hour": 9, "minute": 12, "second": 31}
